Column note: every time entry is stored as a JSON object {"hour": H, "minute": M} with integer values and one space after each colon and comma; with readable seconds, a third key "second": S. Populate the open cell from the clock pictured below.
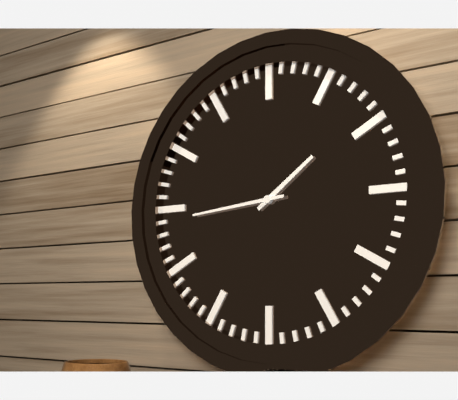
{"hour": 1, "minute": 44}
